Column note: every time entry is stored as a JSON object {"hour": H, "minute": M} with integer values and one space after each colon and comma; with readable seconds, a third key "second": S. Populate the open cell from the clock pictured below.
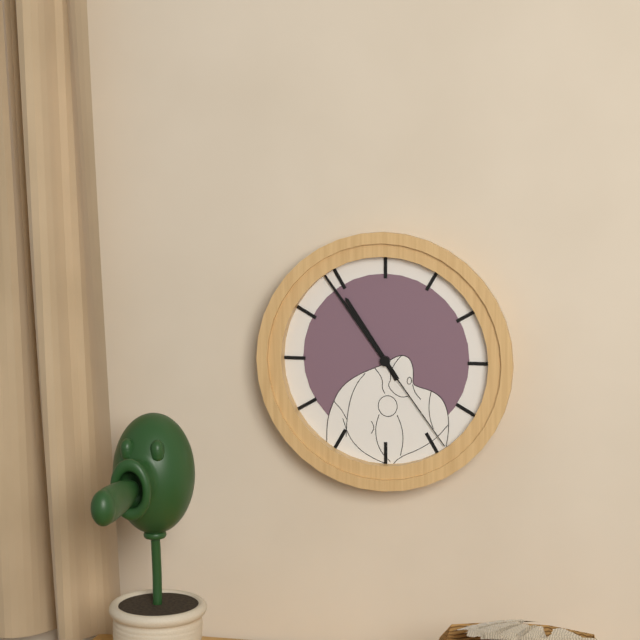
{"hour": 10, "minute": 54, "second": 24}
